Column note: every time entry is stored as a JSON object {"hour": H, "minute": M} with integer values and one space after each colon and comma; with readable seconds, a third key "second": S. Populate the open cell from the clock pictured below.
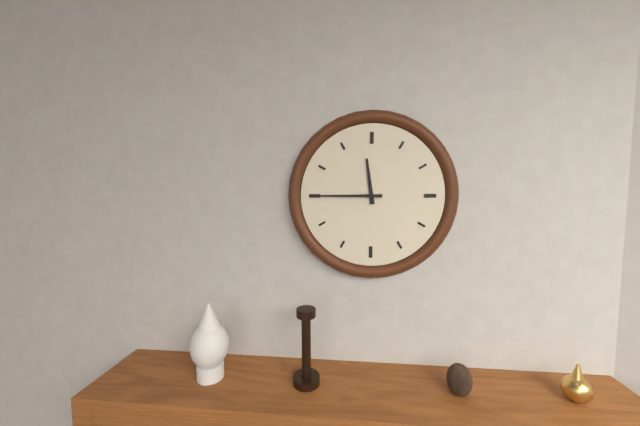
{"hour": 11, "minute": 45}
